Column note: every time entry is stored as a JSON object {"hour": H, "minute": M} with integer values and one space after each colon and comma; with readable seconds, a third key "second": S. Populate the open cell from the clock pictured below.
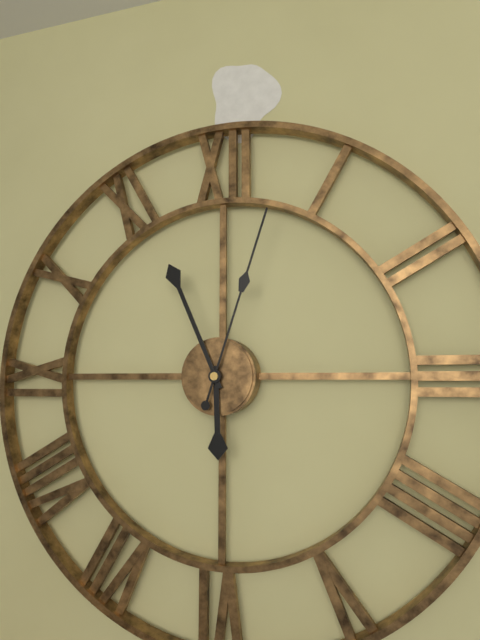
{"hour": 5, "minute": 56, "second": 3}
